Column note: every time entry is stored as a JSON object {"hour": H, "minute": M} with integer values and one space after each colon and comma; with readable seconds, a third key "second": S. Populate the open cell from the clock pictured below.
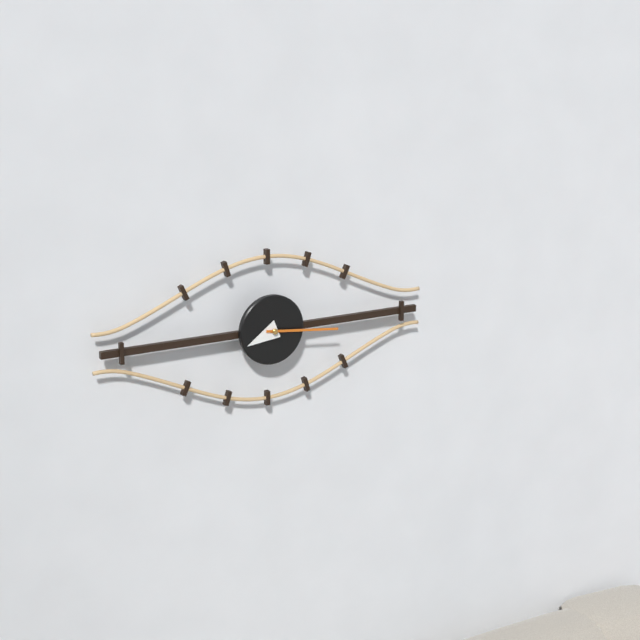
{"hour": 8, "minute": 16}
